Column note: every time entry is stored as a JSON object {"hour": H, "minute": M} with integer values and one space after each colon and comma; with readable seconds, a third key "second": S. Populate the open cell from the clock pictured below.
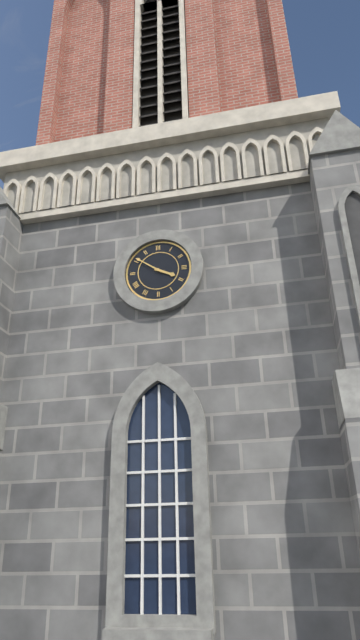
{"hour": 3, "minute": 51}
